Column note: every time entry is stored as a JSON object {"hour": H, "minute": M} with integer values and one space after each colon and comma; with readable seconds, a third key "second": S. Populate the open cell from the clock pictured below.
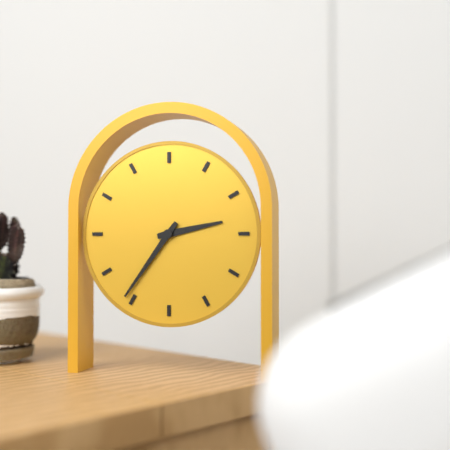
{"hour": 2, "minute": 36}
